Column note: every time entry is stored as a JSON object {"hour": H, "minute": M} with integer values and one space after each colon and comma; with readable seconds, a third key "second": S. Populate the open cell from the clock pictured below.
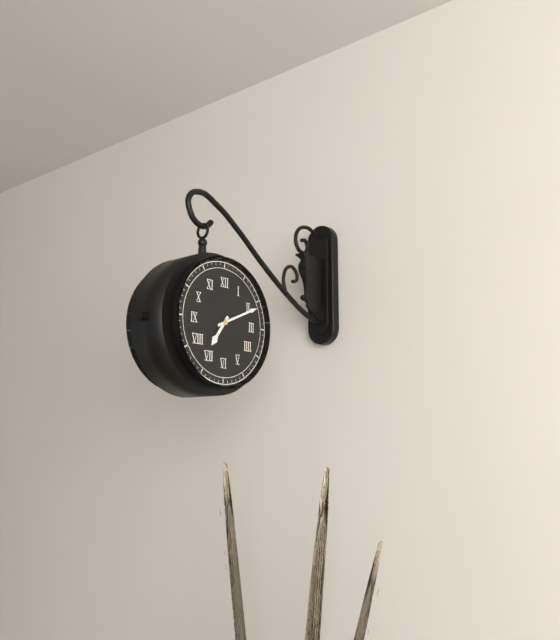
{"hour": 7, "minute": 11}
